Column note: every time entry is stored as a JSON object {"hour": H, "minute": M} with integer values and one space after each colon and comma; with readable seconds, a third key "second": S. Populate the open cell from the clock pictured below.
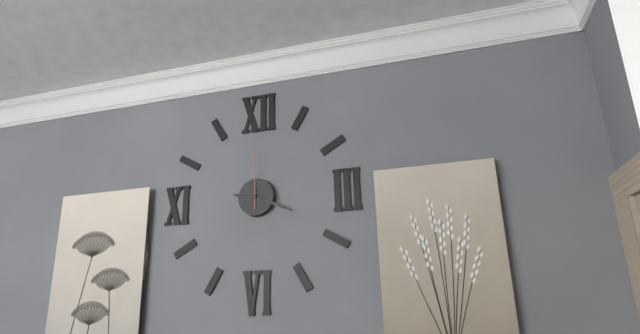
{"hour": 9, "minute": 19, "second": 0}
